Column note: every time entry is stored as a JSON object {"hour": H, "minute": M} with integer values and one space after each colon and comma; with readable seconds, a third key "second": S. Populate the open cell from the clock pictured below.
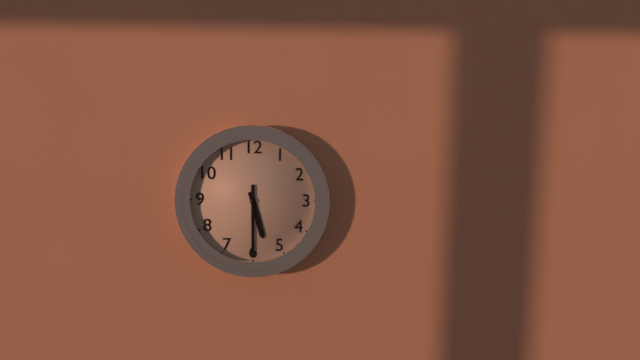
{"hour": 5, "minute": 30}
